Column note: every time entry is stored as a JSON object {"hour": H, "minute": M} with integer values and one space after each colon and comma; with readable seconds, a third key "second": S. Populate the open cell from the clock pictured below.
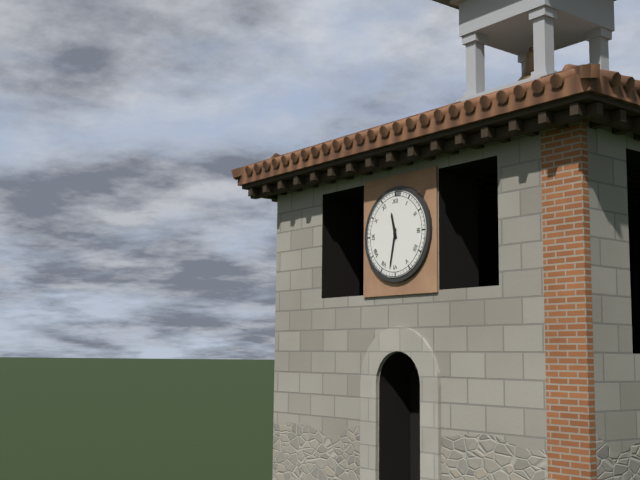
{"hour": 11, "minute": 32}
